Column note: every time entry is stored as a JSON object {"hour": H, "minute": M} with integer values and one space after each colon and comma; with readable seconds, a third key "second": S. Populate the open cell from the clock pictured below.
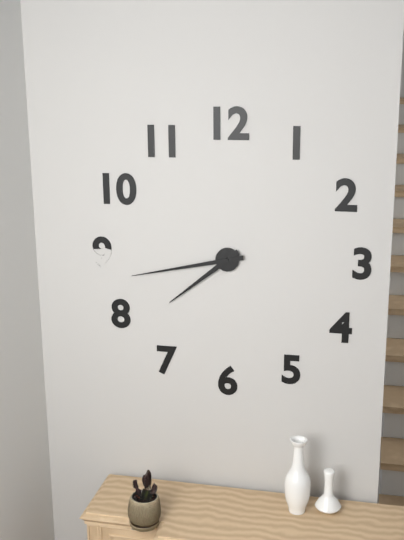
{"hour": 7, "minute": 43}
